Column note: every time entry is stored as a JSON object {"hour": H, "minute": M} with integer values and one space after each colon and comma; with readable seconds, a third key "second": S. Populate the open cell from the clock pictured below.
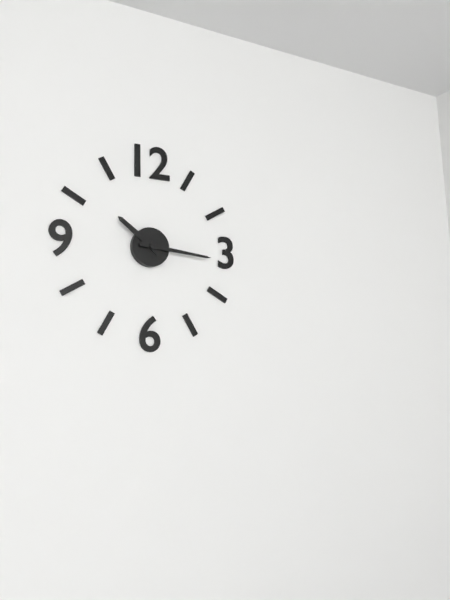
{"hour": 10, "minute": 16}
